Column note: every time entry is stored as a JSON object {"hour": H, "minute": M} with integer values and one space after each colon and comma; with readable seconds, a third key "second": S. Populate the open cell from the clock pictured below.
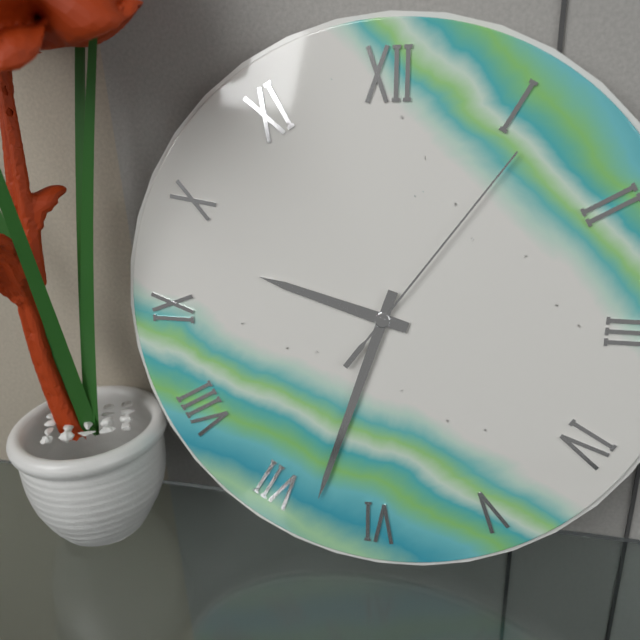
{"hour": 9, "minute": 33, "second": 6}
